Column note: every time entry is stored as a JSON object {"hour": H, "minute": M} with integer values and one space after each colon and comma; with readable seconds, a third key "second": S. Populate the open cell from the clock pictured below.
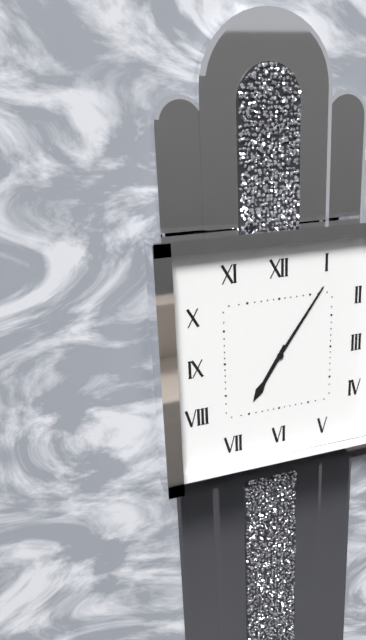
{"hour": 7, "minute": 6}
